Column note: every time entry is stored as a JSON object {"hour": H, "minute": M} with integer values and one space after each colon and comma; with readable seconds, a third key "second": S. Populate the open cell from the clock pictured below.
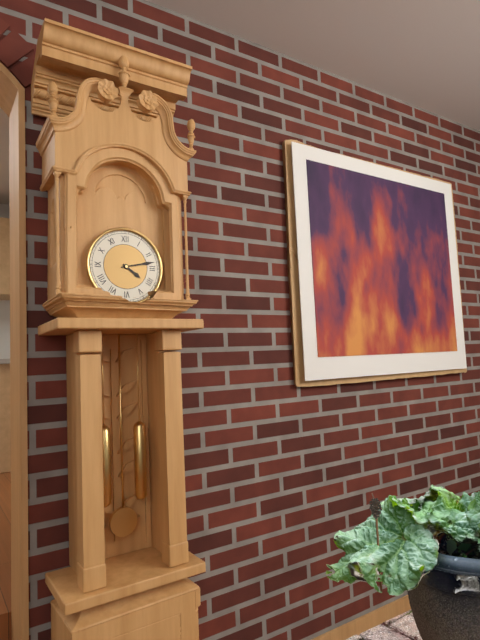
{"hour": 4, "minute": 13}
